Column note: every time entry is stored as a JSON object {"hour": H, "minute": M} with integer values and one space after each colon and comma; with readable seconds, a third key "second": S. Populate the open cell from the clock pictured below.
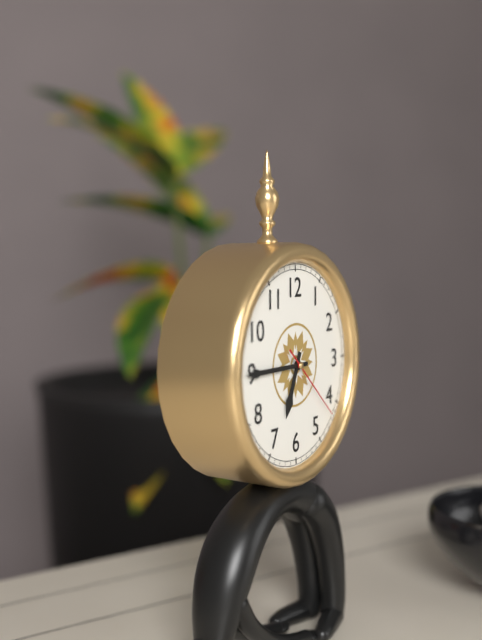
{"hour": 6, "minute": 45, "second": 22}
